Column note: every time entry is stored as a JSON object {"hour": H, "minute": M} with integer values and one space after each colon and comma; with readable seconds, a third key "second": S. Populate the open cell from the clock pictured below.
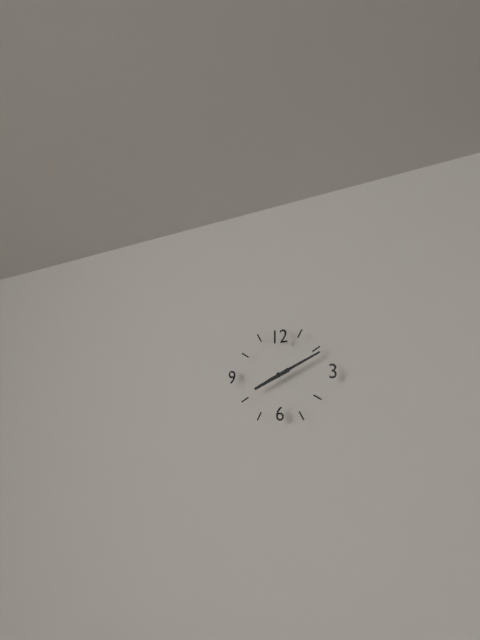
{"hour": 8, "minute": 11}
